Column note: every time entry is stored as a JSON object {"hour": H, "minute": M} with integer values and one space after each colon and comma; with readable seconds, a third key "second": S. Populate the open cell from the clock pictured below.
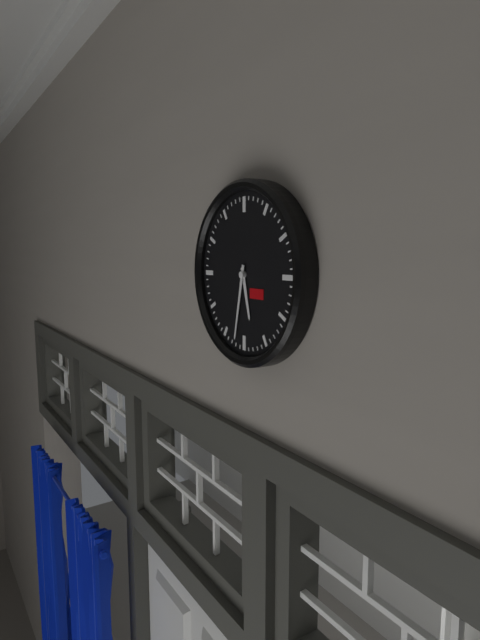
{"hour": 5, "minute": 32}
